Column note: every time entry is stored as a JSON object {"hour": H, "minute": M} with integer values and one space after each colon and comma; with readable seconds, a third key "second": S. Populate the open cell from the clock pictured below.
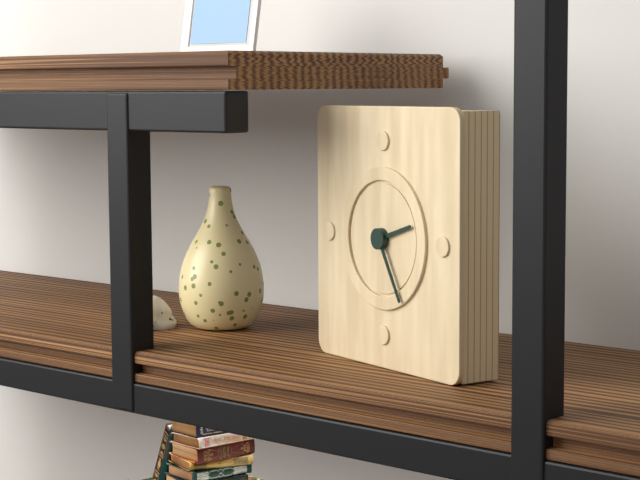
{"hour": 2, "minute": 25}
